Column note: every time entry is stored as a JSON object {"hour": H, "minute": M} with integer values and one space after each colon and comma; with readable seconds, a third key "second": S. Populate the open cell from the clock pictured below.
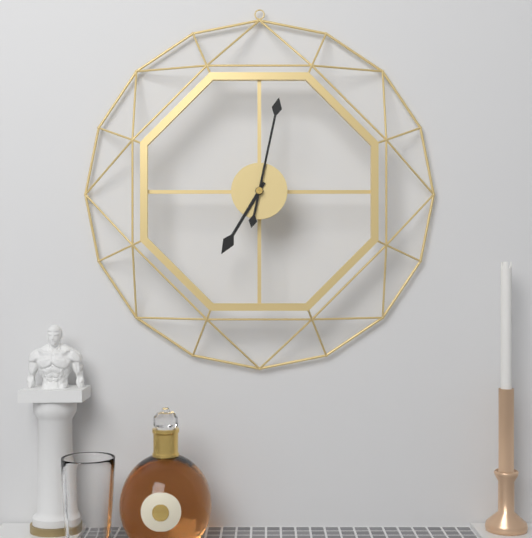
{"hour": 7, "minute": 2}
